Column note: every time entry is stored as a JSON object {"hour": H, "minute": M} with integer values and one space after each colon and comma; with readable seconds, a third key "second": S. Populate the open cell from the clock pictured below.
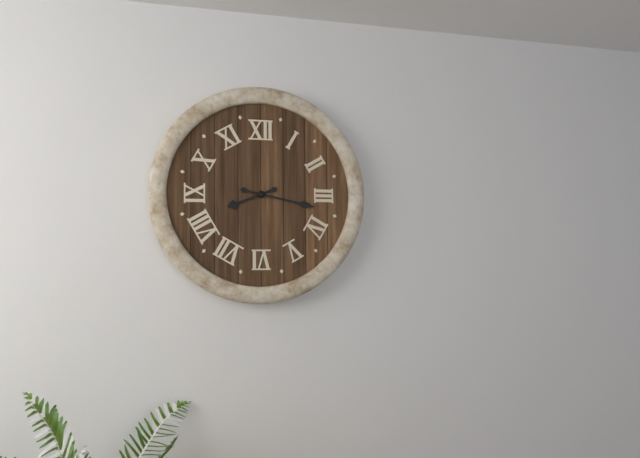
{"hour": 8, "minute": 17}
